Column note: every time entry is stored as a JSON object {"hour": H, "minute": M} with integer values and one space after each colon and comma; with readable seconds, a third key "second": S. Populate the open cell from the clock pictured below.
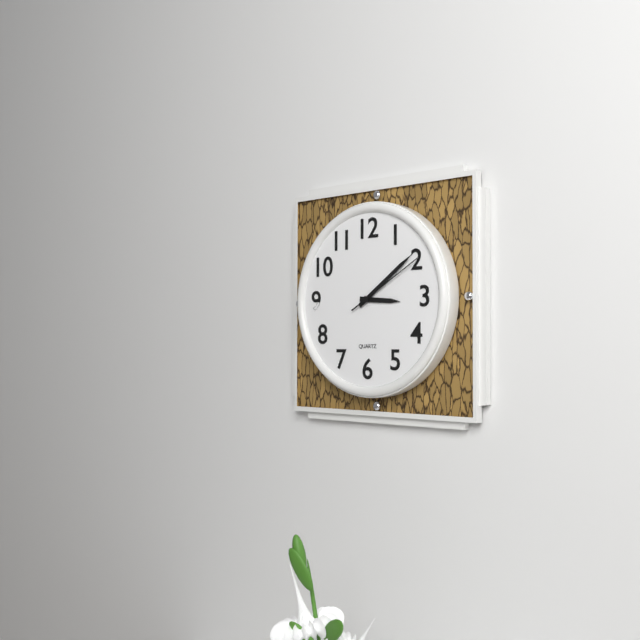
{"hour": 3, "minute": 9, "second": 10}
